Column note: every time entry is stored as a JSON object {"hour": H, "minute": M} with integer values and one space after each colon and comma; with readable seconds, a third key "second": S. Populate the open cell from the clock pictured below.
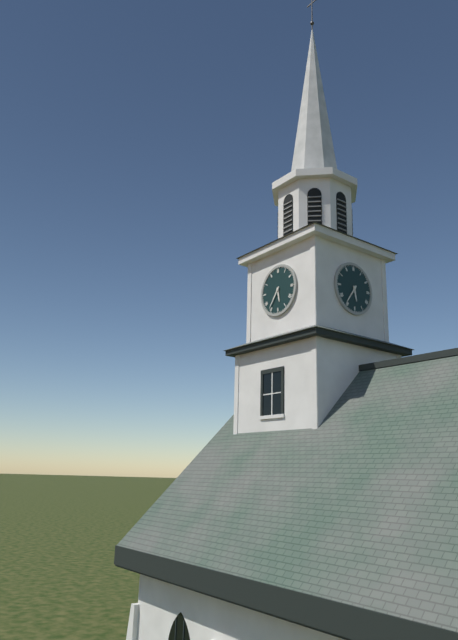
{"hour": 5, "minute": 36}
